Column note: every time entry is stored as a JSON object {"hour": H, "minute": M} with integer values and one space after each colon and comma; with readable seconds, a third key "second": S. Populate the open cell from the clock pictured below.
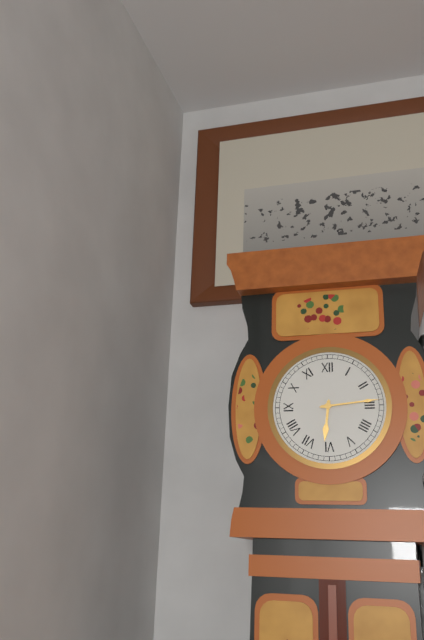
{"hour": 6, "minute": 14}
